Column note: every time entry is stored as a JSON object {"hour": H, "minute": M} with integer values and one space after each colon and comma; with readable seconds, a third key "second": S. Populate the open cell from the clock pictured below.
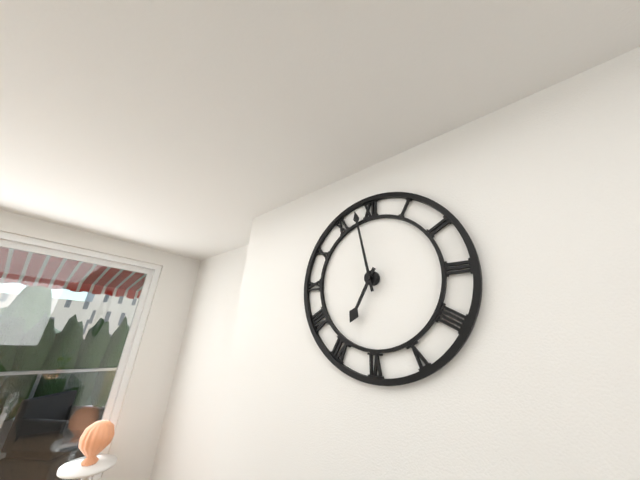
{"hour": 6, "minute": 58}
